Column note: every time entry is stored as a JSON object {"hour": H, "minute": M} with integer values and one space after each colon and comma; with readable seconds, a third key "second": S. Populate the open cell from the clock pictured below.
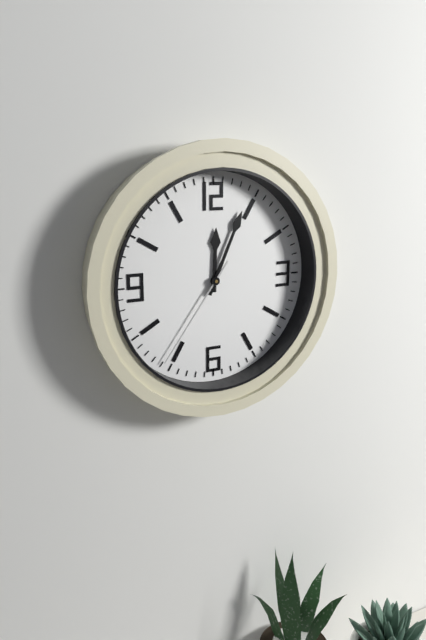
{"hour": 12, "minute": 4, "second": 36}
